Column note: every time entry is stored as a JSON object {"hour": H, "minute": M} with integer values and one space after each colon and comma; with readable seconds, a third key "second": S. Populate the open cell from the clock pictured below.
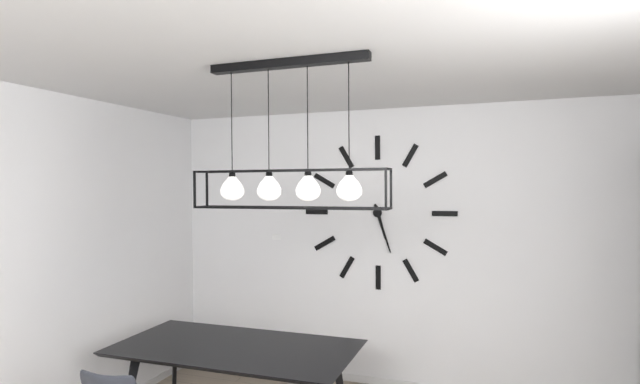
{"hour": 5, "minute": 27}
